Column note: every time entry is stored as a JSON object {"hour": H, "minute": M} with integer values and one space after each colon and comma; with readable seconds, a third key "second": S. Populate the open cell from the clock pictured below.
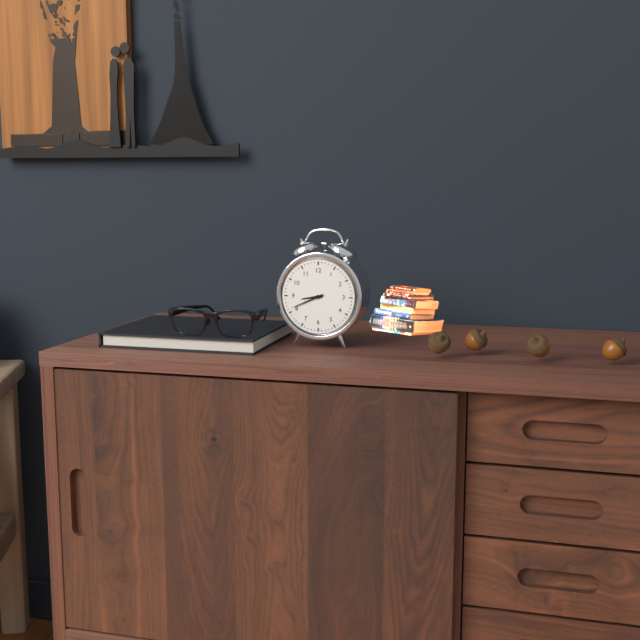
{"hour": 8, "minute": 41}
